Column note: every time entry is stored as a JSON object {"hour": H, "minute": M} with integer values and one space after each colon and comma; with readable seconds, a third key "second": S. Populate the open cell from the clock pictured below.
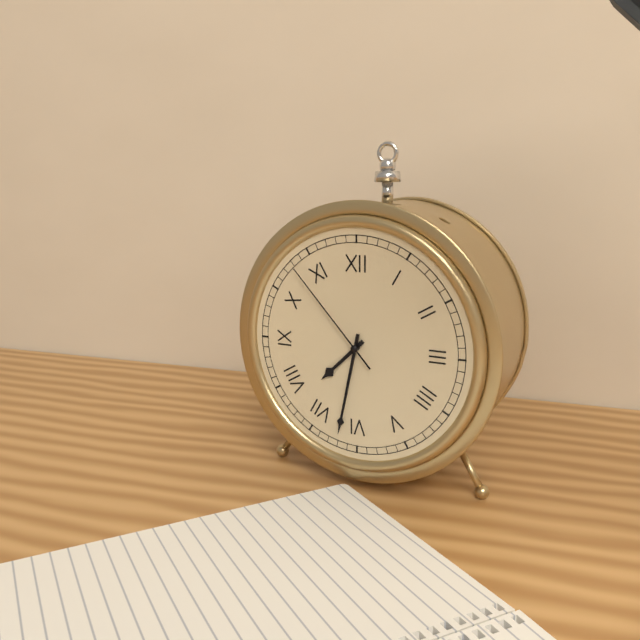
{"hour": 7, "minute": 32, "second": 53}
